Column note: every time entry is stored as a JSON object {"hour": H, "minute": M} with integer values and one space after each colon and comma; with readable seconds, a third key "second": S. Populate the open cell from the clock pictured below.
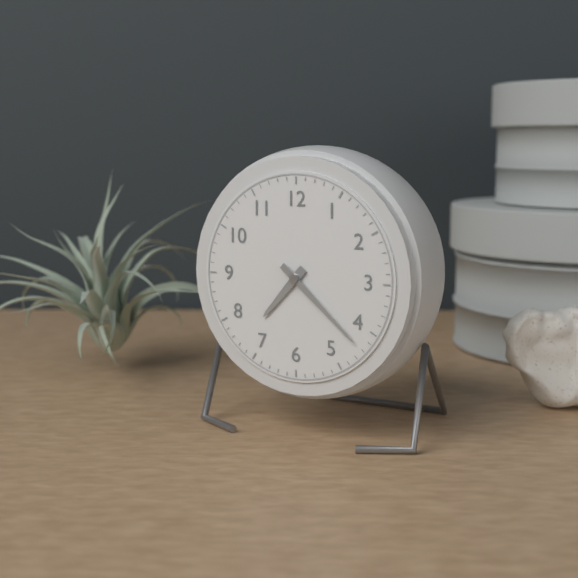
{"hour": 7, "minute": 22}
